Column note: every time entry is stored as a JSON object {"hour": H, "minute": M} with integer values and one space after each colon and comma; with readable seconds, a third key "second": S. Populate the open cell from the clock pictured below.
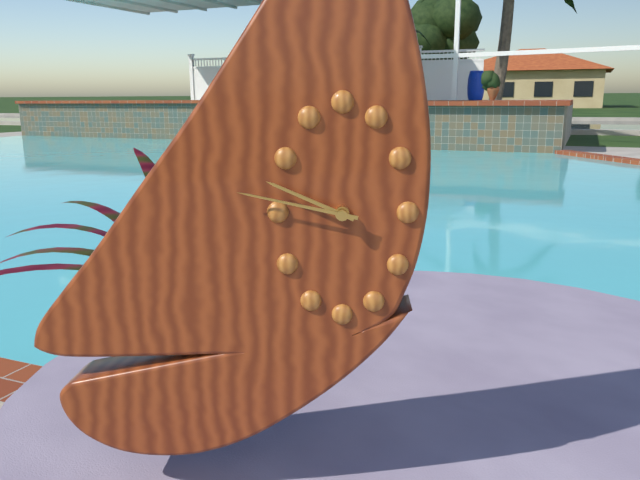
{"hour": 9, "minute": 47}
